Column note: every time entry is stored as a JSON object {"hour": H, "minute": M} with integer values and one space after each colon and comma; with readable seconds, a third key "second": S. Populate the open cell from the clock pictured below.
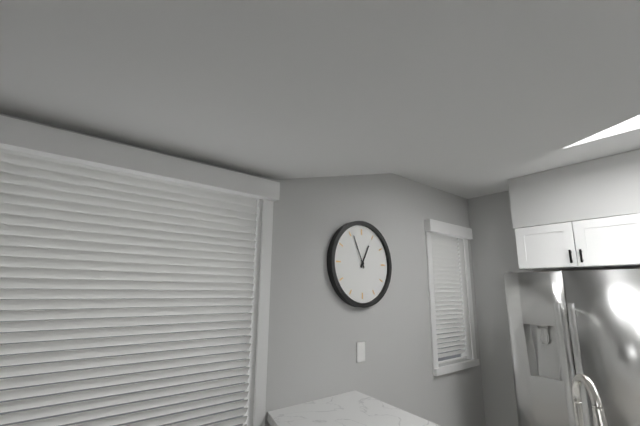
{"hour": 12, "minute": 56}
